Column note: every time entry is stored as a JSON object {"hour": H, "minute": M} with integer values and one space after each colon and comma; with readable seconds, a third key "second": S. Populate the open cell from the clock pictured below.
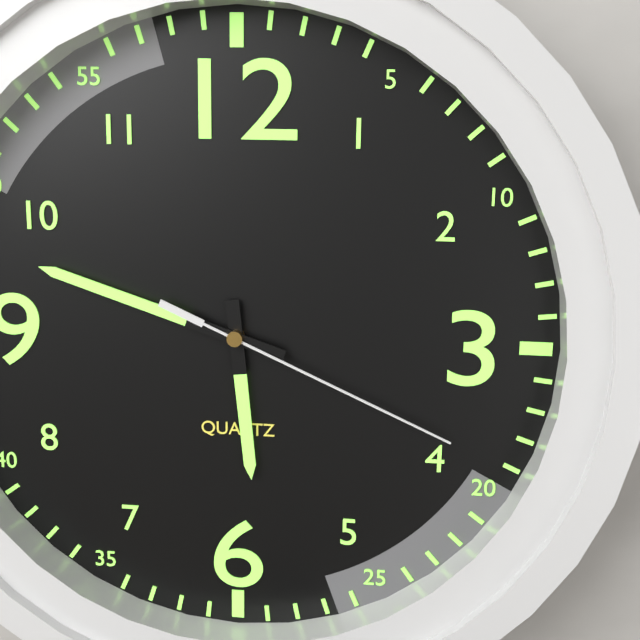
{"hour": 5, "minute": 48, "second": 19}
